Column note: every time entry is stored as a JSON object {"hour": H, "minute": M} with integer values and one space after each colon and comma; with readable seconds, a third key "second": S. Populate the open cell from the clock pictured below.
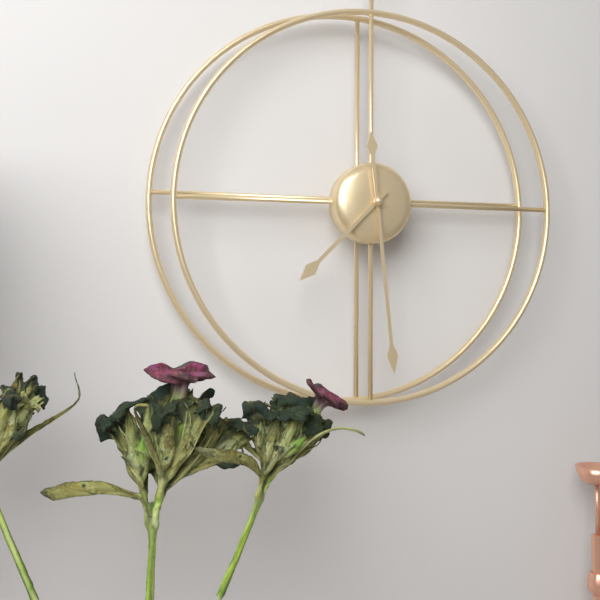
{"hour": 7, "minute": 29}
